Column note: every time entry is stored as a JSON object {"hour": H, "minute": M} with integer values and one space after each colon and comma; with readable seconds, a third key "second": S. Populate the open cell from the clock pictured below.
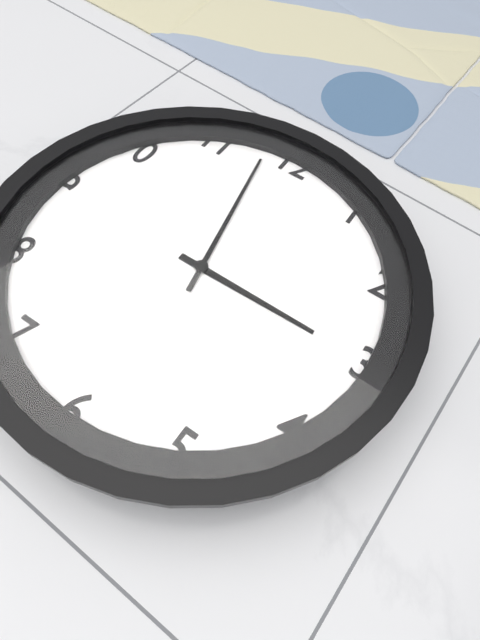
{"hour": 2, "minute": 58}
